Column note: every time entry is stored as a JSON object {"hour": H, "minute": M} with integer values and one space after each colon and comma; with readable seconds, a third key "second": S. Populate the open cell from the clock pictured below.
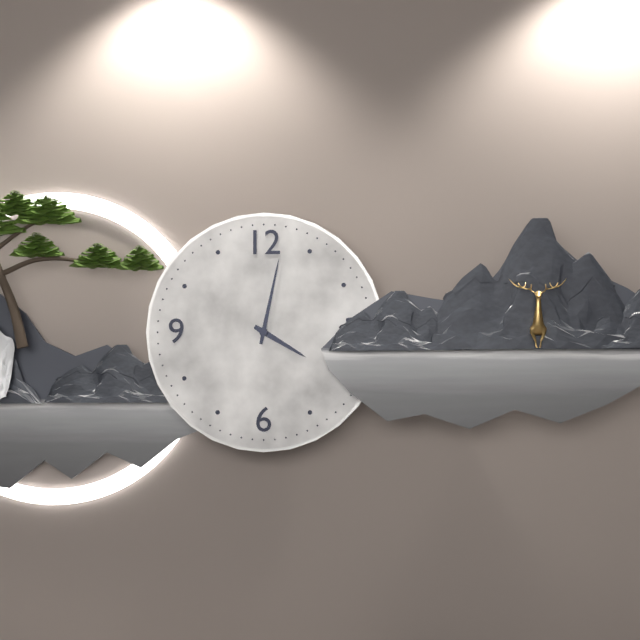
{"hour": 4, "minute": 2}
